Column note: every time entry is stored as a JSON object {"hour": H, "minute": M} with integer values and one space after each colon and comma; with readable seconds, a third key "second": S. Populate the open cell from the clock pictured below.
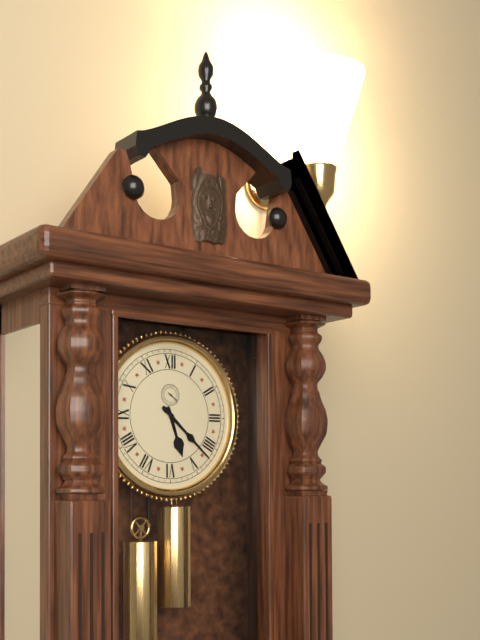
{"hour": 5, "minute": 22}
